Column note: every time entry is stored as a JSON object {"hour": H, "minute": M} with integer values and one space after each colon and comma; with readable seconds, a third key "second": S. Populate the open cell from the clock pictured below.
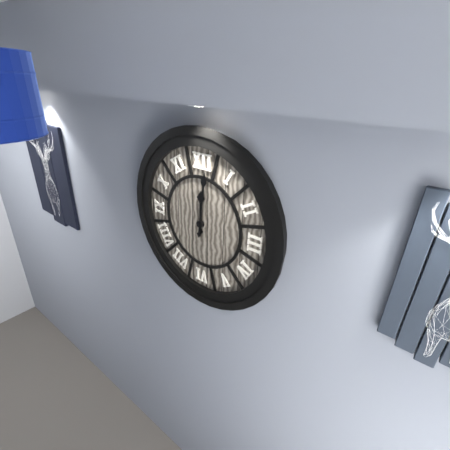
{"hour": 12, "minute": 1}
